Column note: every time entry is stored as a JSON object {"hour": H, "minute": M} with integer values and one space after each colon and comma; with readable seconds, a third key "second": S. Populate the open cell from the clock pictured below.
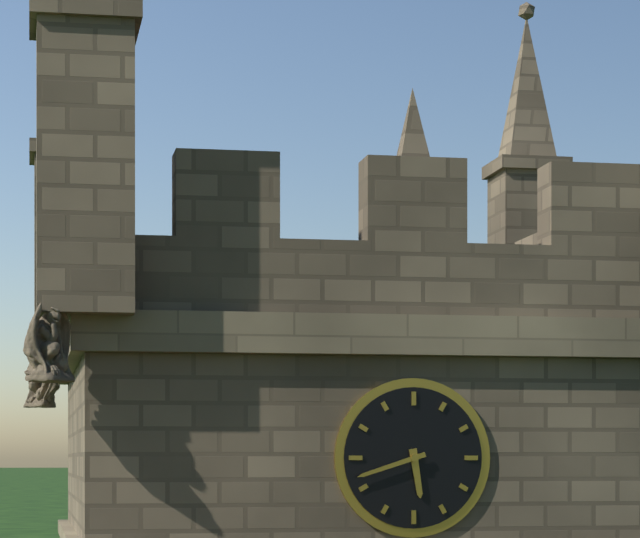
{"hour": 5, "minute": 42}
